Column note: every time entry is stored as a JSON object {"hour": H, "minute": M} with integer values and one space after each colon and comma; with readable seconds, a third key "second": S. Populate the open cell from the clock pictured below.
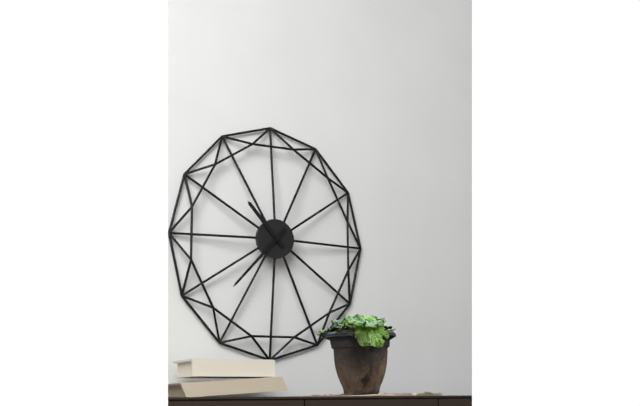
{"hour": 10, "minute": 37}
